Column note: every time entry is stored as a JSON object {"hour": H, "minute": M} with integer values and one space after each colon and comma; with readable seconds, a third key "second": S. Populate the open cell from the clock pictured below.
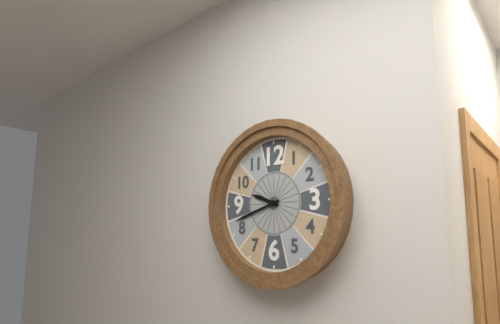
{"hour": 9, "minute": 42}
